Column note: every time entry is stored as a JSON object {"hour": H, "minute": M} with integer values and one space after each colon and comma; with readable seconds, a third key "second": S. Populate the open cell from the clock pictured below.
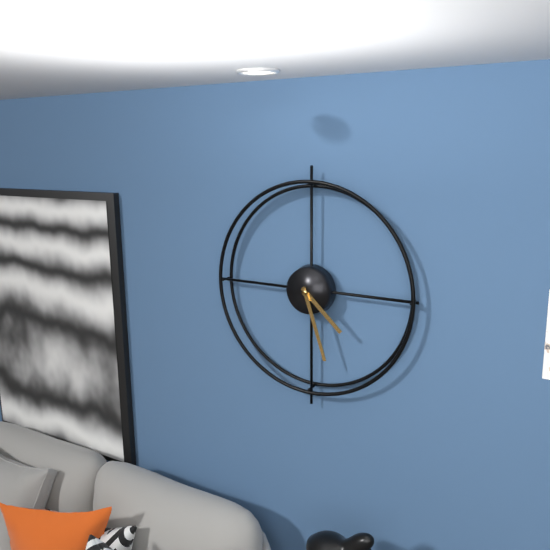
{"hour": 4, "minute": 27}
